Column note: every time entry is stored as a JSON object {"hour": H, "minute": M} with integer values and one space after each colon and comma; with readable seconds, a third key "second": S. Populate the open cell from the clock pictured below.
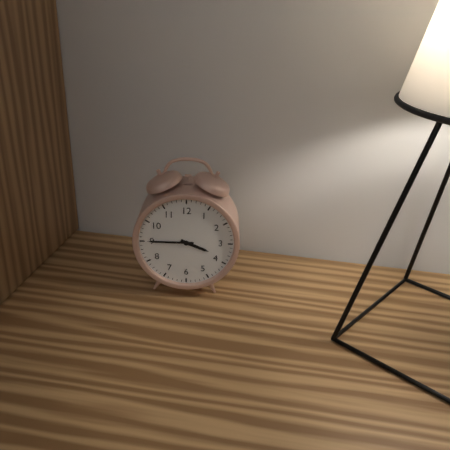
{"hour": 3, "minute": 45}
